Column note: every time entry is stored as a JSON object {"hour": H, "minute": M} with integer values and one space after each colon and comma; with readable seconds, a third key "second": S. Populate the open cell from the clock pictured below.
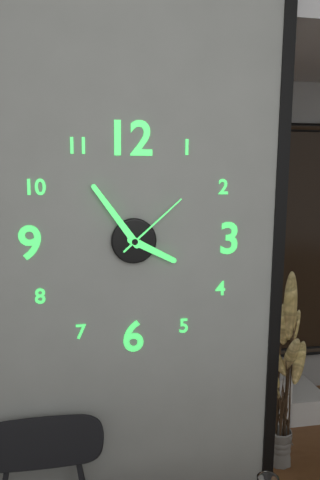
{"hour": 3, "minute": 54, "second": 8}
